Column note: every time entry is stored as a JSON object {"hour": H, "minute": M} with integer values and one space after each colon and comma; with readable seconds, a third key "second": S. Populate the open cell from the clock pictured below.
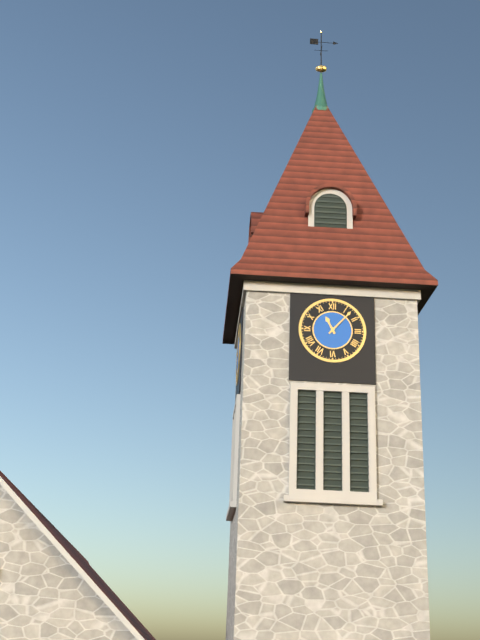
{"hour": 11, "minute": 7}
